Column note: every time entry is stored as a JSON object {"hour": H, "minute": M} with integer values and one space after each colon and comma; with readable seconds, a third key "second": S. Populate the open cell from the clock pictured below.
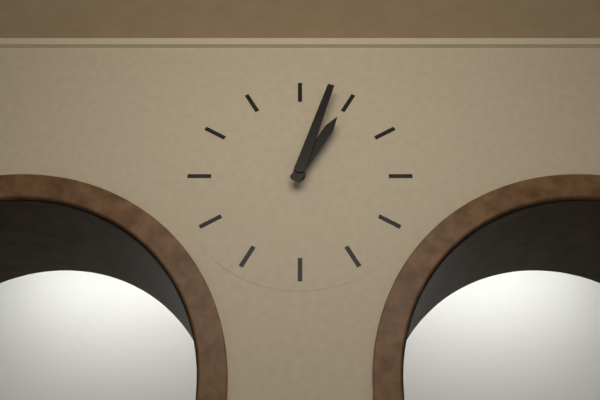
{"hour": 1, "minute": 3}
